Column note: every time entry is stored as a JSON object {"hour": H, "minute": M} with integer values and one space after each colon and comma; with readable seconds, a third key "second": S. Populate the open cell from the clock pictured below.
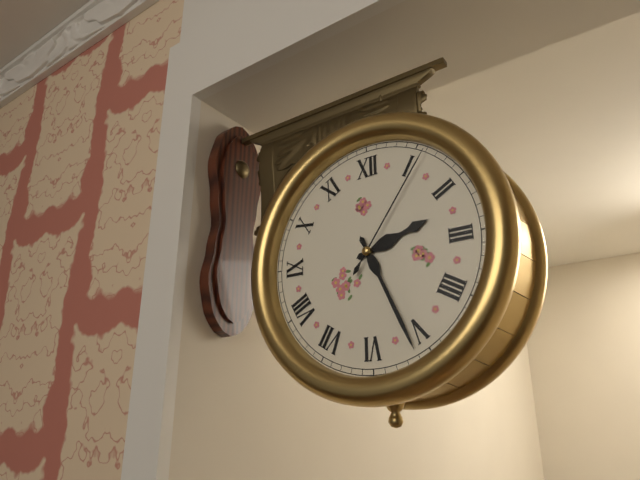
{"hour": 2, "minute": 26, "second": 6}
